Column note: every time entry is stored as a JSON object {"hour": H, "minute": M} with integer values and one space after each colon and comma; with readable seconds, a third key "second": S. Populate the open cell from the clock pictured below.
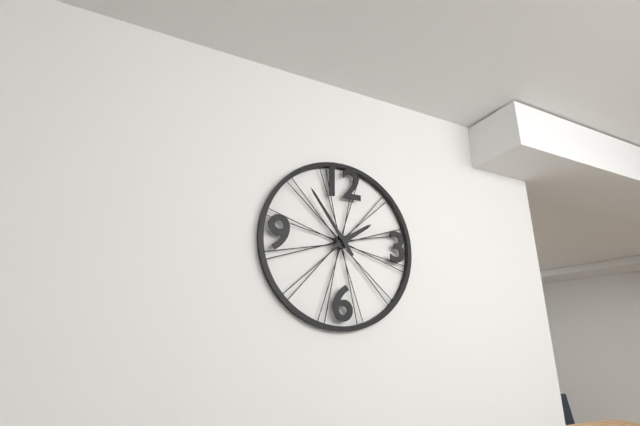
{"hour": 1, "minute": 54}
